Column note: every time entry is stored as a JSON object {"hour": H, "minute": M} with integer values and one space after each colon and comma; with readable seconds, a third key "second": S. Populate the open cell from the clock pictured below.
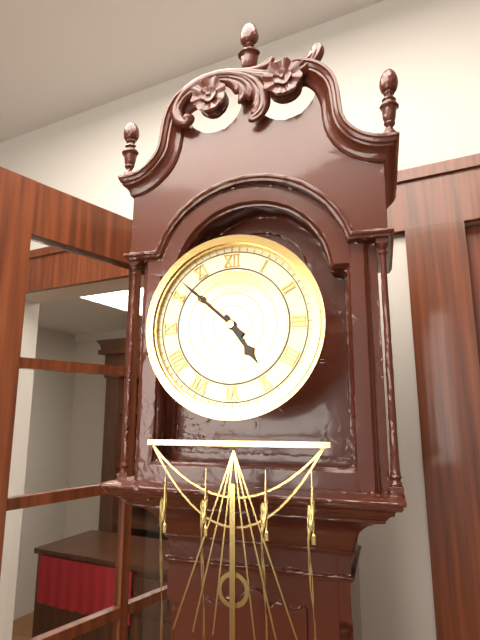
{"hour": 4, "minute": 52}
